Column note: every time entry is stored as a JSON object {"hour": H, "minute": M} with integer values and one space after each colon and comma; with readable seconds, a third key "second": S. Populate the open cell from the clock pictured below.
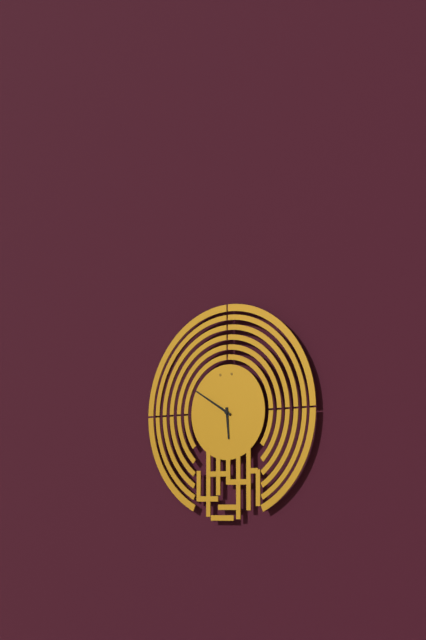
{"hour": 5, "minute": 50}
